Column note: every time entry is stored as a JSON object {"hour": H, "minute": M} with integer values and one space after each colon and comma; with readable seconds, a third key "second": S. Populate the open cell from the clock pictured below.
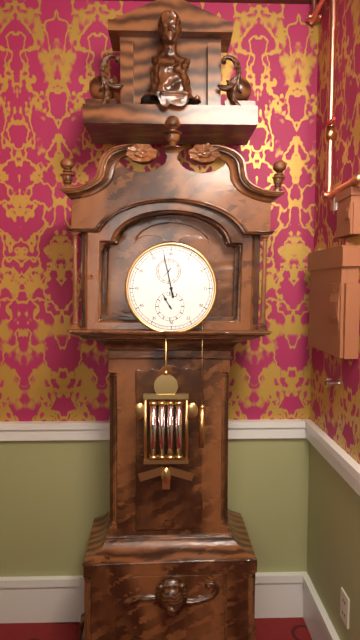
{"hour": 10, "minute": 58}
